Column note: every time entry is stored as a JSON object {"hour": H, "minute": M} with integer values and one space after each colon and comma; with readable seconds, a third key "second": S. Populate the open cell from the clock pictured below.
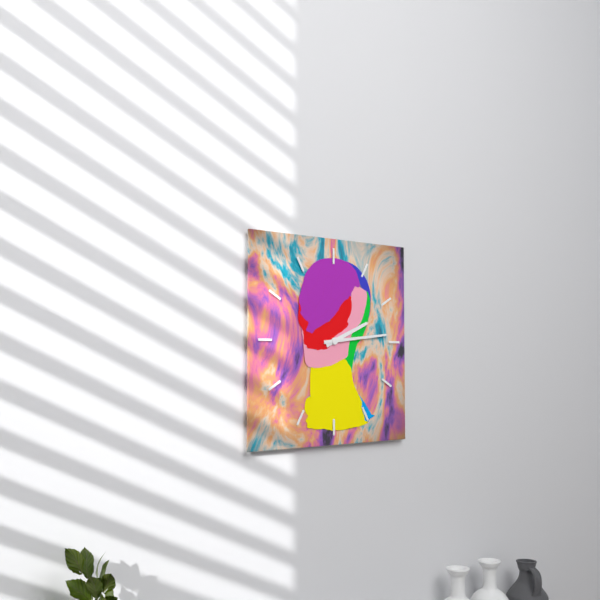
{"hour": 2, "minute": 14}
